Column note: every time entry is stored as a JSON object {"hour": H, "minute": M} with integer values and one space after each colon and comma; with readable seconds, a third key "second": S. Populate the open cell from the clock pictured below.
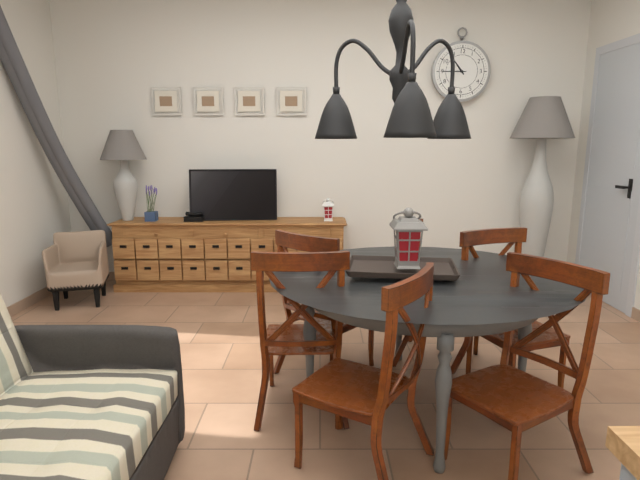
{"hour": 10, "minute": 45}
